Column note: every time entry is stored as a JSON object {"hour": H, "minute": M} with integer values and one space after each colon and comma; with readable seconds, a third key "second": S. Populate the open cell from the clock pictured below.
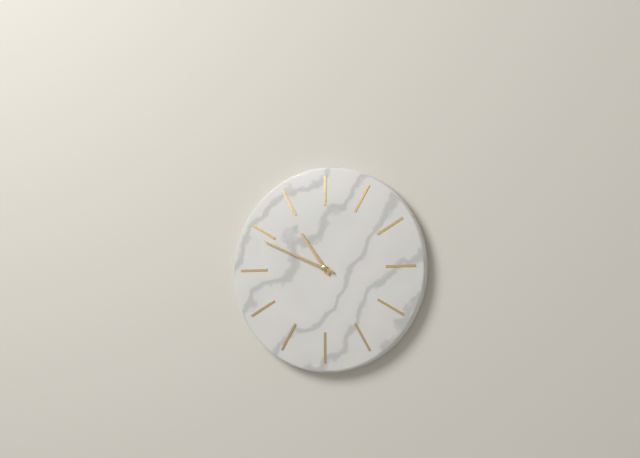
{"hour": 10, "minute": 49}
